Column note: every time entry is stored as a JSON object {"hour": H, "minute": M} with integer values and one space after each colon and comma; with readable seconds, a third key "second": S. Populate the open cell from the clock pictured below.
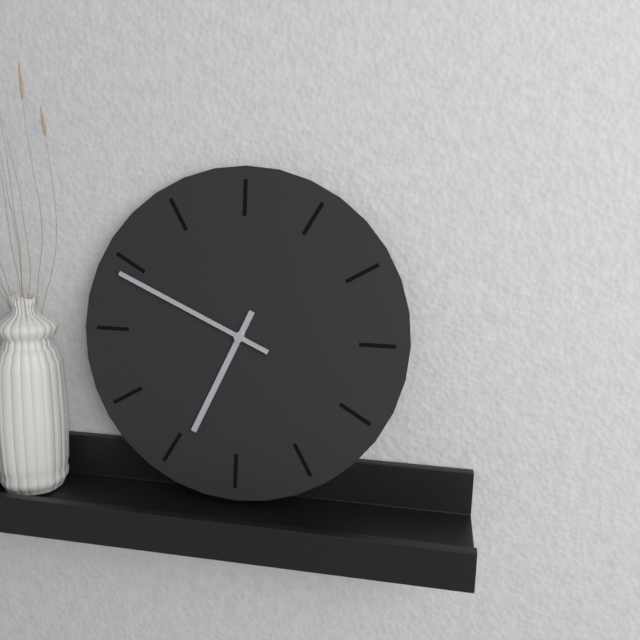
{"hour": 6, "minute": 49}
